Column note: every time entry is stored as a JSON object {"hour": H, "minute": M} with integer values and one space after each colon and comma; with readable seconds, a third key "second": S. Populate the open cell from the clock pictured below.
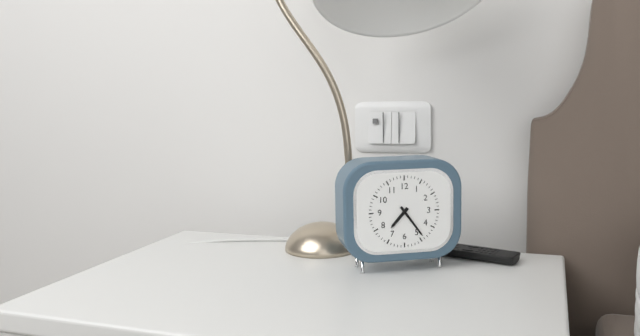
{"hour": 7, "minute": 24}
